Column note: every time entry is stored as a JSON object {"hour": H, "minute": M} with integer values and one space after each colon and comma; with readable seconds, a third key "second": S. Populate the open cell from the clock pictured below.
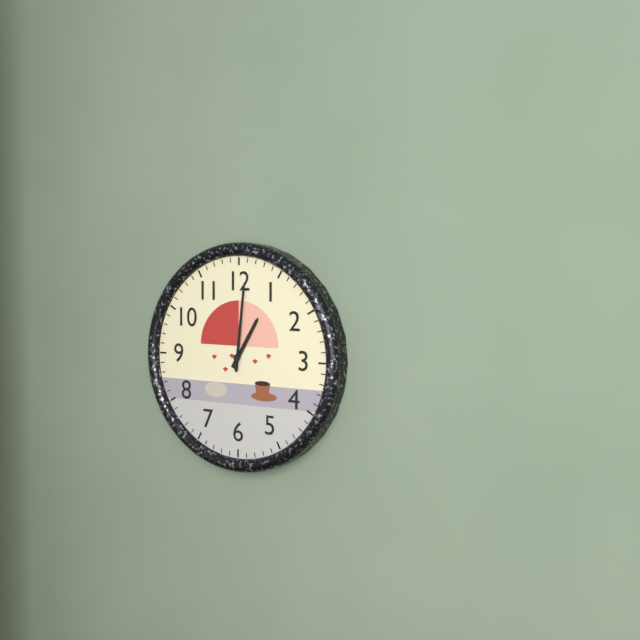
{"hour": 1, "minute": 1}
